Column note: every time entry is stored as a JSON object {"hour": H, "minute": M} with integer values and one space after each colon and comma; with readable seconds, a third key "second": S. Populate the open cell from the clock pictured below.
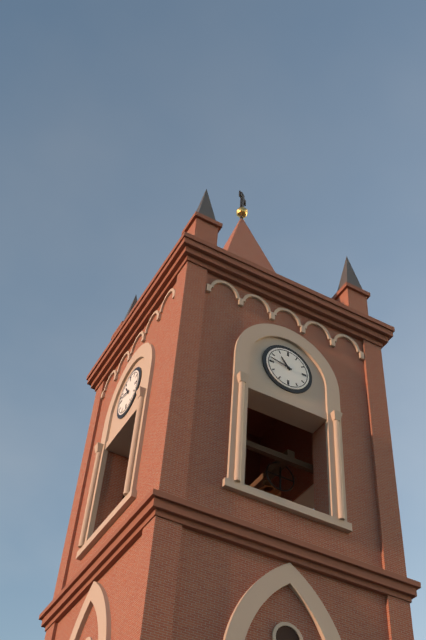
{"hour": 10, "minute": 47}
